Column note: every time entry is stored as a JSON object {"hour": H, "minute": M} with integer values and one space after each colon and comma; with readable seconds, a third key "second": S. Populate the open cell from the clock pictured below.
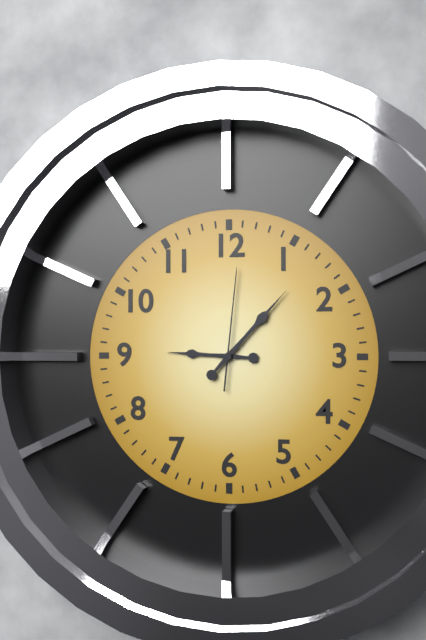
{"hour": 9, "minute": 7, "second": 1}
